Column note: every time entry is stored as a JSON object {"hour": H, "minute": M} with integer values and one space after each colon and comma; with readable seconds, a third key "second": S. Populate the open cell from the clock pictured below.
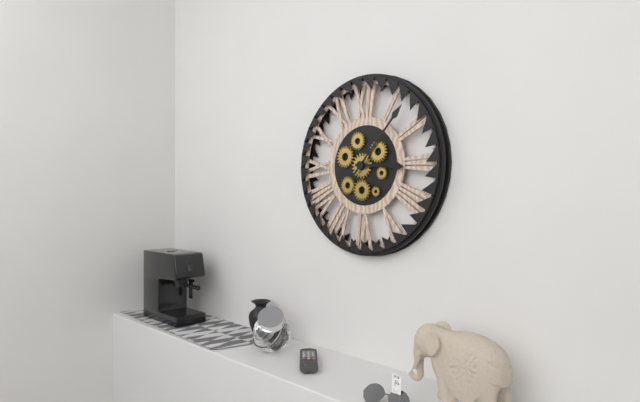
{"hour": 3, "minute": 7}
